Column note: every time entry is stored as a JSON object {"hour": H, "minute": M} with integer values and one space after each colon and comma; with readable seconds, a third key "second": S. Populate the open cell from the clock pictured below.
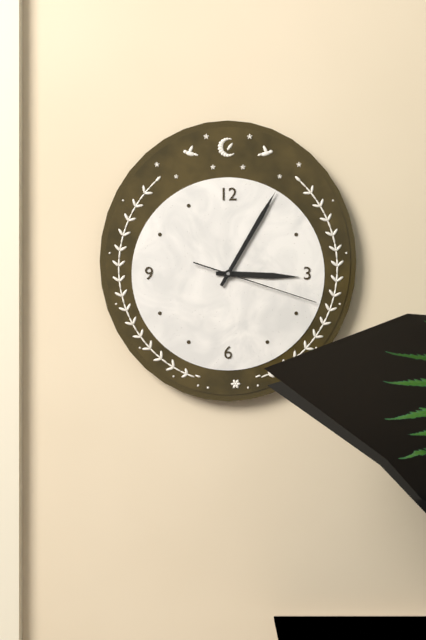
{"hour": 3, "minute": 5, "second": 18}
